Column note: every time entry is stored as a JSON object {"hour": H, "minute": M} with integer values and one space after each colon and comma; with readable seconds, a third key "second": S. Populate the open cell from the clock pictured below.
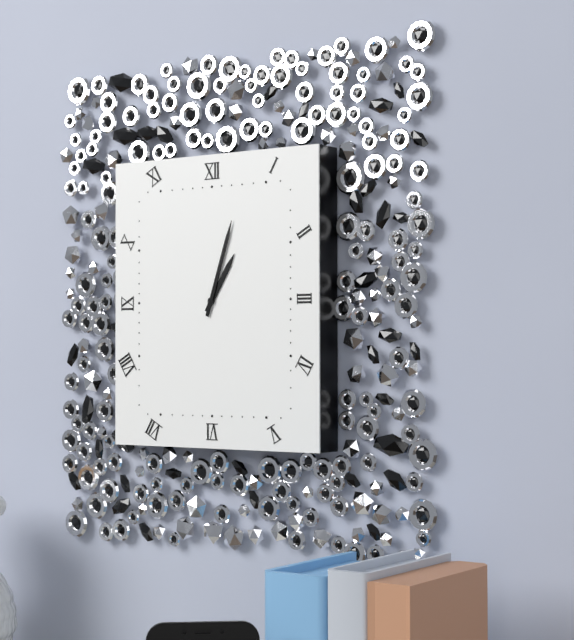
{"hour": 1, "minute": 3}
